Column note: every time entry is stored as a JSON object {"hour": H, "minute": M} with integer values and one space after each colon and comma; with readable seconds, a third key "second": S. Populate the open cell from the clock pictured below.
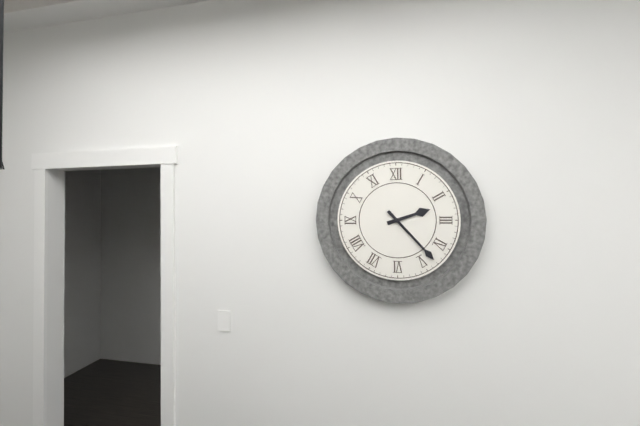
{"hour": 2, "minute": 23}
